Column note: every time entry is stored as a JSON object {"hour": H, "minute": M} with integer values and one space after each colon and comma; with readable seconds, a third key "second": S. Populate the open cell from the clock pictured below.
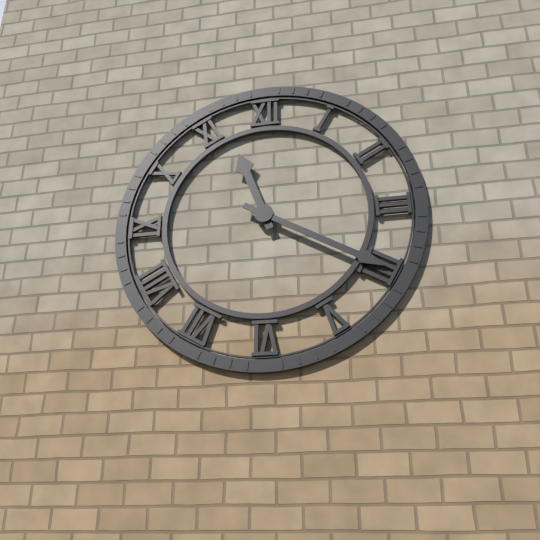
{"hour": 11, "minute": 20}
